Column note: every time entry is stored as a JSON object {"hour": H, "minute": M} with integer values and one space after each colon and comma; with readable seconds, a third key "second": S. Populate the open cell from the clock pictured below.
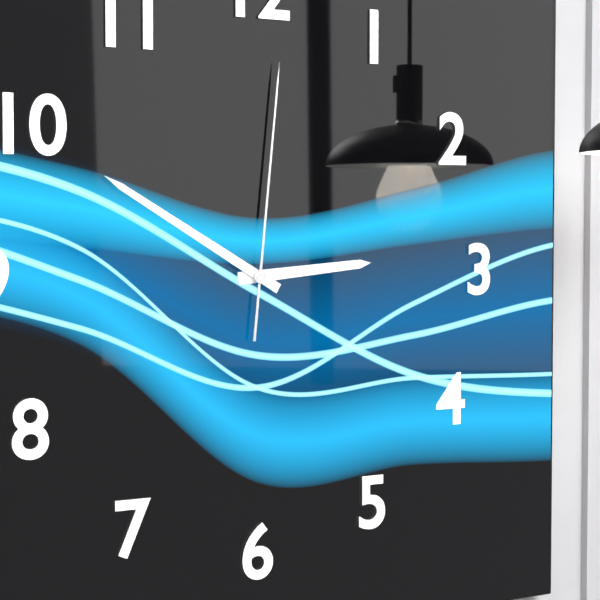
{"hour": 2, "minute": 50, "second": 1}
